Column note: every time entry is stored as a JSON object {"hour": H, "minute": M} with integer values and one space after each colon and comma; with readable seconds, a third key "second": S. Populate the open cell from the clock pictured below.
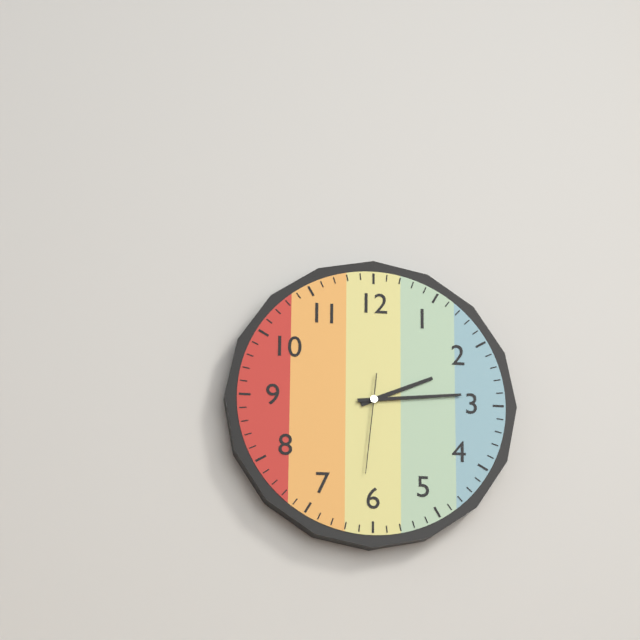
{"hour": 2, "minute": 14, "second": 31}
